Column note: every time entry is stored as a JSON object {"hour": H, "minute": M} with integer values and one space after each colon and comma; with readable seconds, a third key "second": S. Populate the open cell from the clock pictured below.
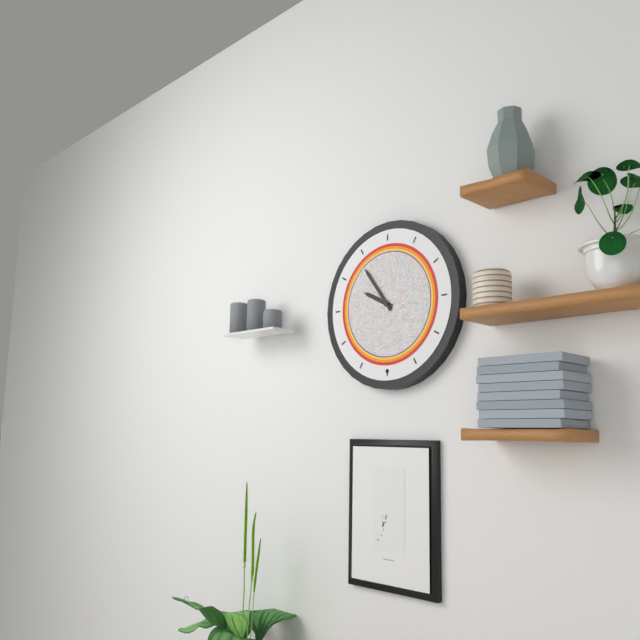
{"hour": 9, "minute": 54}
